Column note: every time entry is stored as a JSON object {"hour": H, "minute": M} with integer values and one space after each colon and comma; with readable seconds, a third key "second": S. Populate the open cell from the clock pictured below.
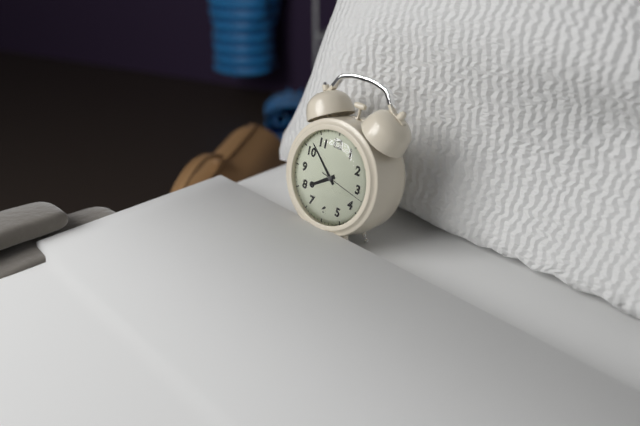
{"hour": 7, "minute": 52}
